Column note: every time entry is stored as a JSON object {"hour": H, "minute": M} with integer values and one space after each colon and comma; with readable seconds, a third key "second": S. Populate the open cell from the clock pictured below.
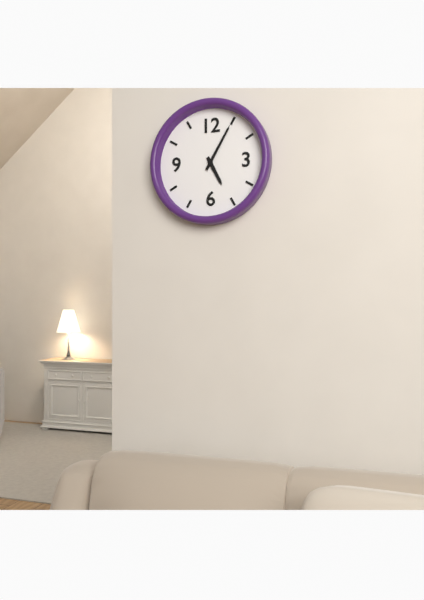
{"hour": 5, "minute": 5}
